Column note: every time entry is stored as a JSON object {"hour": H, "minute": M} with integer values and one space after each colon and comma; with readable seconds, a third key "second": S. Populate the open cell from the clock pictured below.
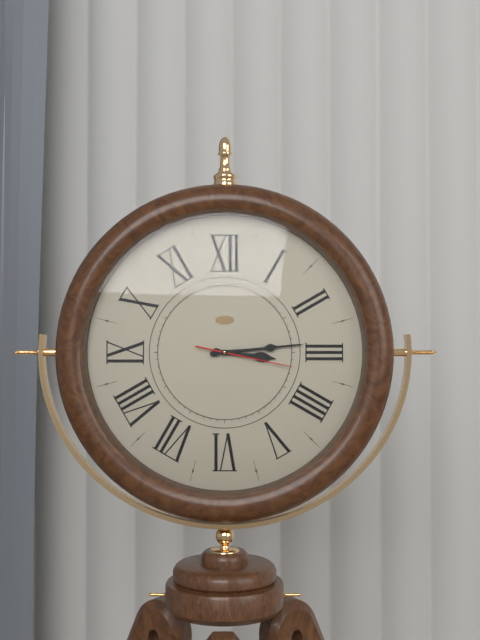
{"hour": 3, "minute": 14, "second": 17}
